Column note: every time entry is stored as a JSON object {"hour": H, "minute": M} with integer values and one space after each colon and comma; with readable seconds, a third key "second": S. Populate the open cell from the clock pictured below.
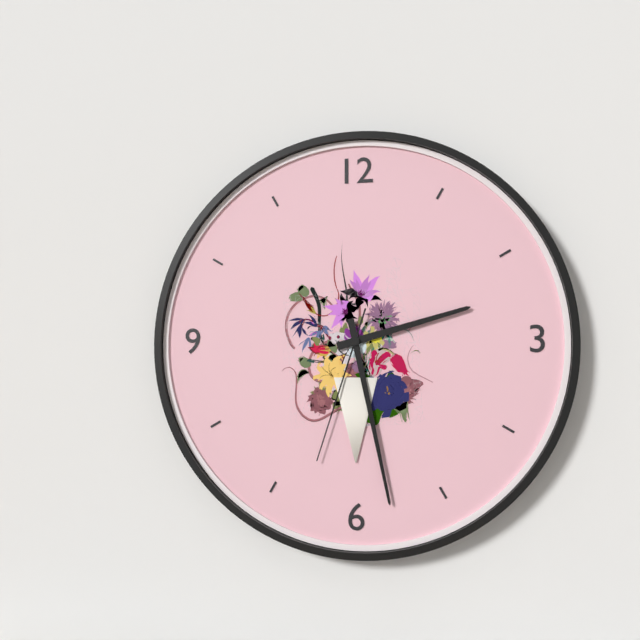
{"hour": 2, "minute": 28, "second": 33}
